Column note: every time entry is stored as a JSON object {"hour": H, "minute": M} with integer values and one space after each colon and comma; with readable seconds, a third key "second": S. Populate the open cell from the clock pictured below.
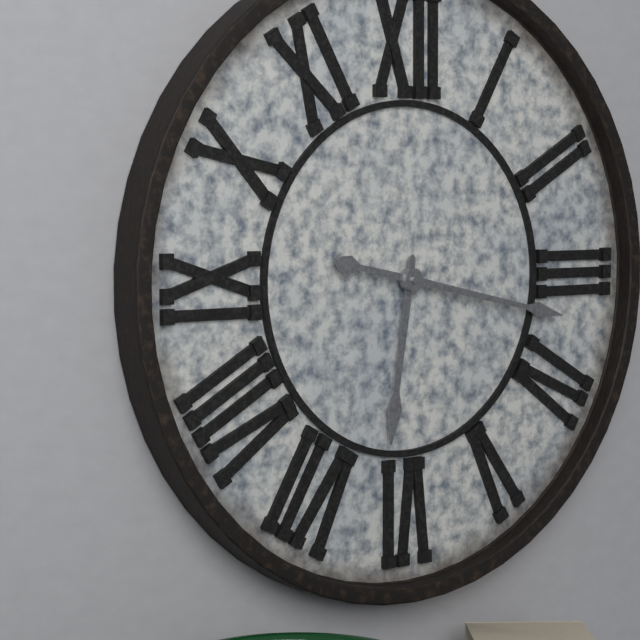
{"hour": 6, "minute": 17}
